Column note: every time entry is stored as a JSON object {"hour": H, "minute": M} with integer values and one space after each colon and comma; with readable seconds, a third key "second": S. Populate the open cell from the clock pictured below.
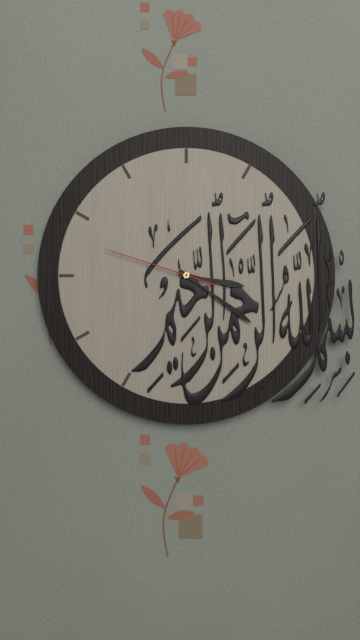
{"hour": 3, "minute": 21, "second": 48}
